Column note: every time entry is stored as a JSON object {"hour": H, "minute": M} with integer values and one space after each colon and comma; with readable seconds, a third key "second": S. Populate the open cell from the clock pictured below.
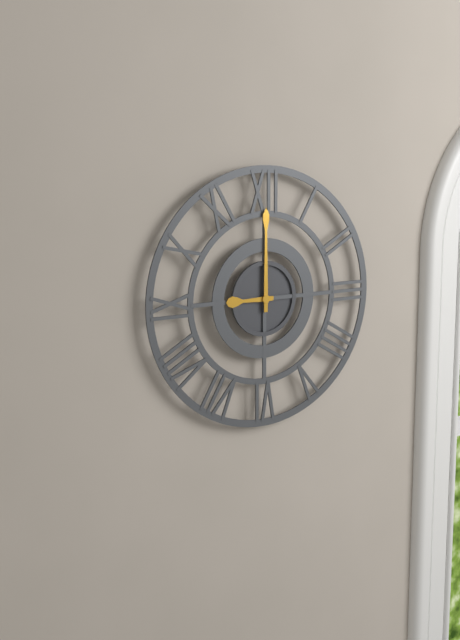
{"hour": 9, "minute": 0}
